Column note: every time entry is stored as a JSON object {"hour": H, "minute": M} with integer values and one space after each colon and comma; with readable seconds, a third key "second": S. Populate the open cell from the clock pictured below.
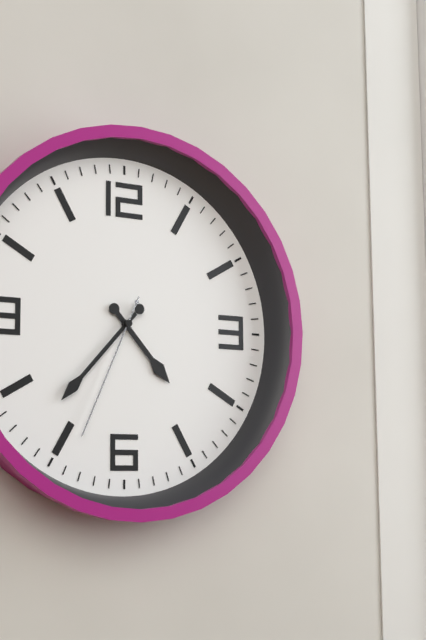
{"hour": 4, "minute": 37, "second": 34}
